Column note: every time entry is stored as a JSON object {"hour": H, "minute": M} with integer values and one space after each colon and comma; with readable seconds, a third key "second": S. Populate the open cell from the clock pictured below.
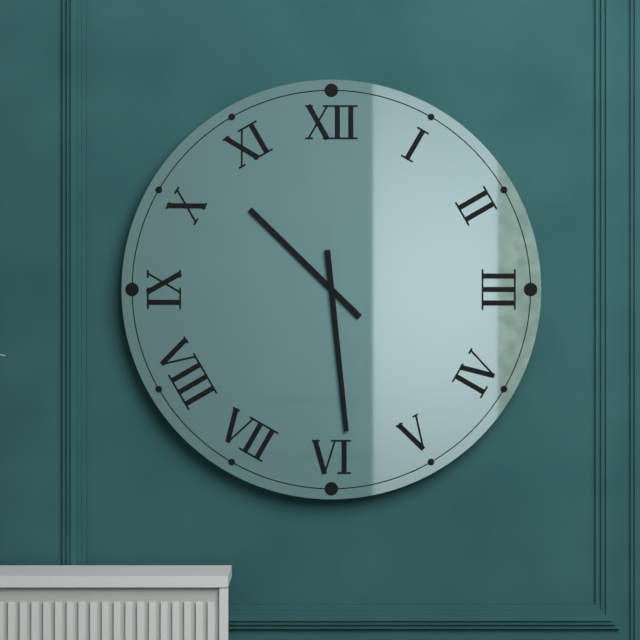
{"hour": 10, "minute": 29}
